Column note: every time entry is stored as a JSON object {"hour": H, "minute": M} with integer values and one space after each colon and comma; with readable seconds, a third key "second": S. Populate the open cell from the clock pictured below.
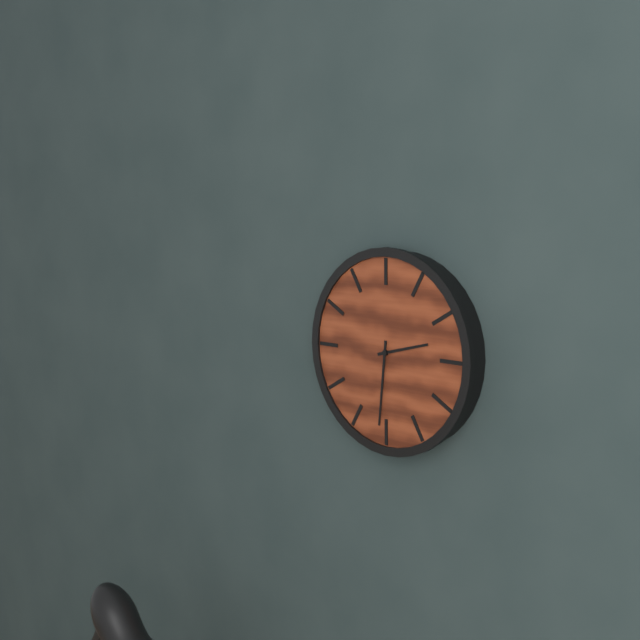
{"hour": 2, "minute": 31}
